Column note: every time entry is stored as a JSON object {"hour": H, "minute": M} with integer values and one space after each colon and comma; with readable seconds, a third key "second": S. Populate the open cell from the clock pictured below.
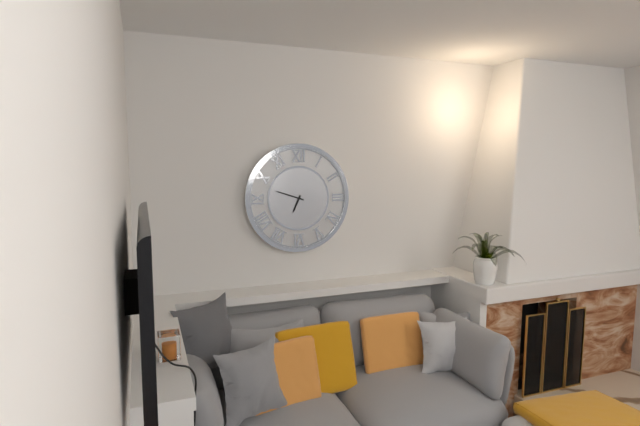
{"hour": 6, "minute": 48}
